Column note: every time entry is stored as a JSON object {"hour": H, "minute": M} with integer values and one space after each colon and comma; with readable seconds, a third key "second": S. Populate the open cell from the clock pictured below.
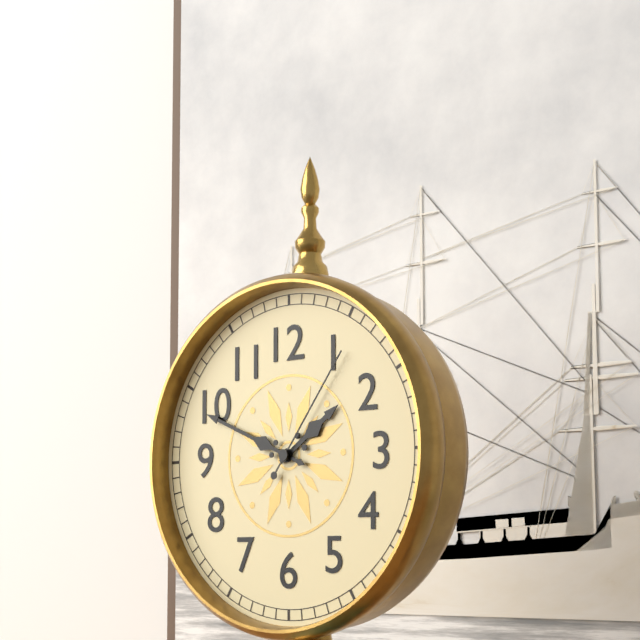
{"hour": 1, "minute": 49, "second": 6}
